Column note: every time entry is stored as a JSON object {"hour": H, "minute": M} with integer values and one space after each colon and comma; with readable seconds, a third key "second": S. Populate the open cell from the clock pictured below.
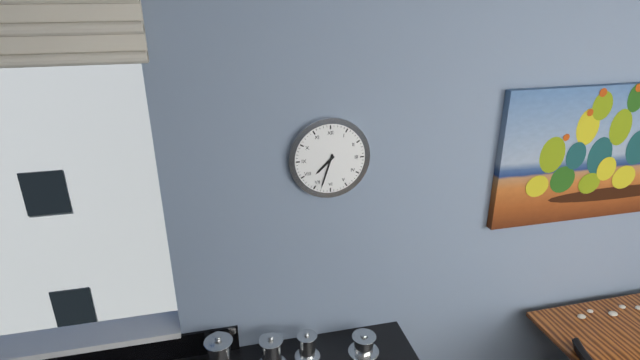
{"hour": 7, "minute": 33}
